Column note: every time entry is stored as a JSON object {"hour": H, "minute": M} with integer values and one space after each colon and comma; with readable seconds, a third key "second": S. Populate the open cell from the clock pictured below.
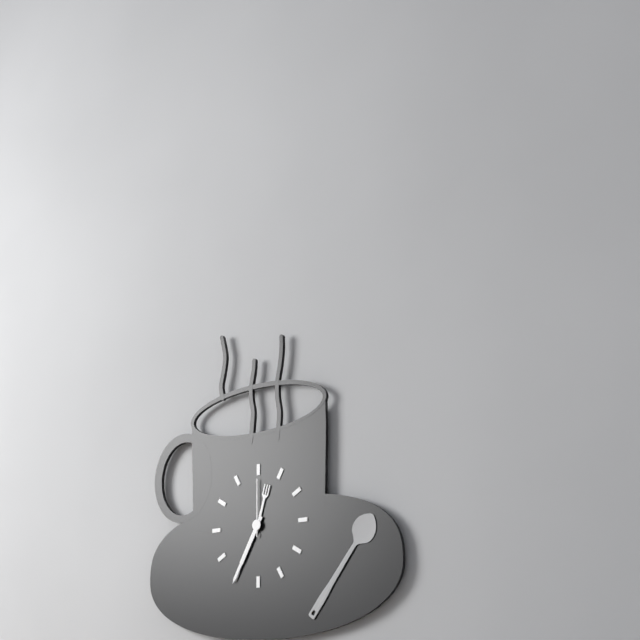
{"hour": 12, "minute": 35, "second": 0}
